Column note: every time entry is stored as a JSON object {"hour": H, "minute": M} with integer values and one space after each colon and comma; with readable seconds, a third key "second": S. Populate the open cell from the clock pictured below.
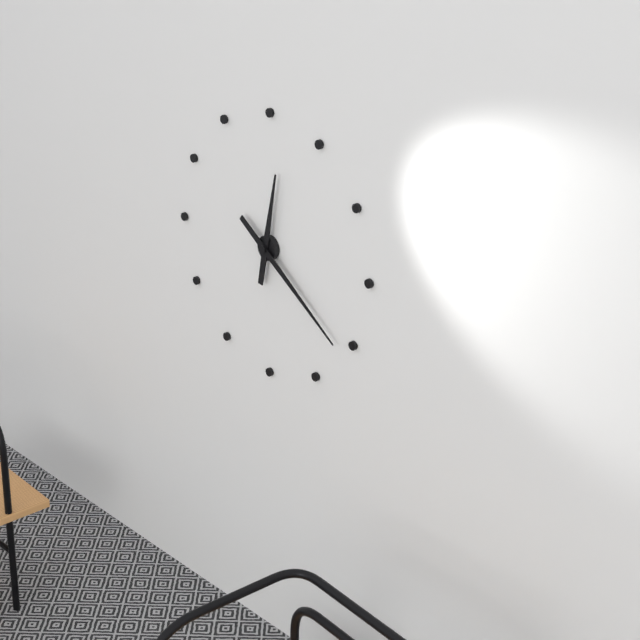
{"hour": 12, "minute": 21}
